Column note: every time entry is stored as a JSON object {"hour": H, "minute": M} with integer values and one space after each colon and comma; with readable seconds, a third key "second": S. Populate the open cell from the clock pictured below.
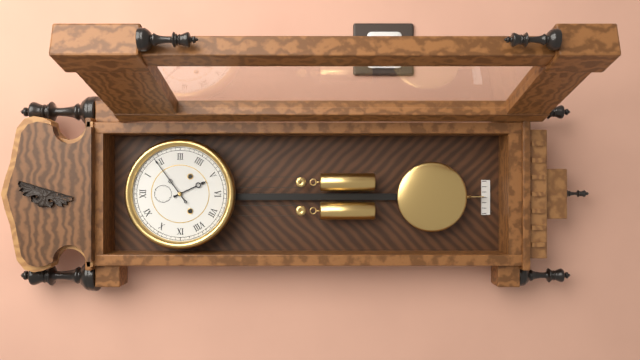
{"hour": 5, "minute": 9}
